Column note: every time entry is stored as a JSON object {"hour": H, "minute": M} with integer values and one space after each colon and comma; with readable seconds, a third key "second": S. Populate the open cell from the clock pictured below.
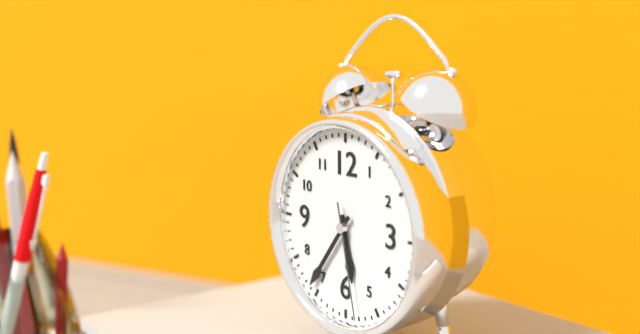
{"hour": 5, "minute": 36, "second": 28}
